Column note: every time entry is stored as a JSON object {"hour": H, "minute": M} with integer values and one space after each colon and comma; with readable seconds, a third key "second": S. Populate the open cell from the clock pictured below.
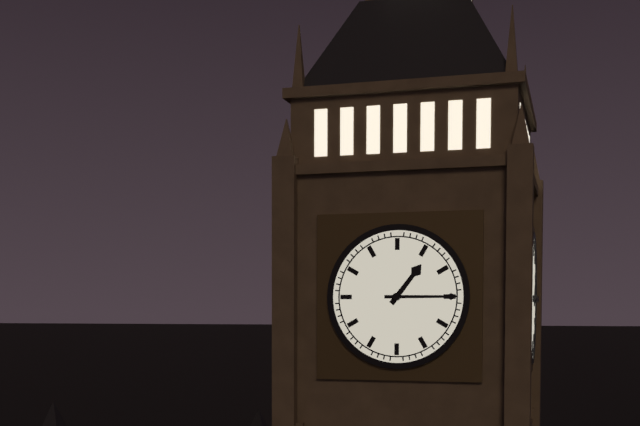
{"hour": 1, "minute": 15}
